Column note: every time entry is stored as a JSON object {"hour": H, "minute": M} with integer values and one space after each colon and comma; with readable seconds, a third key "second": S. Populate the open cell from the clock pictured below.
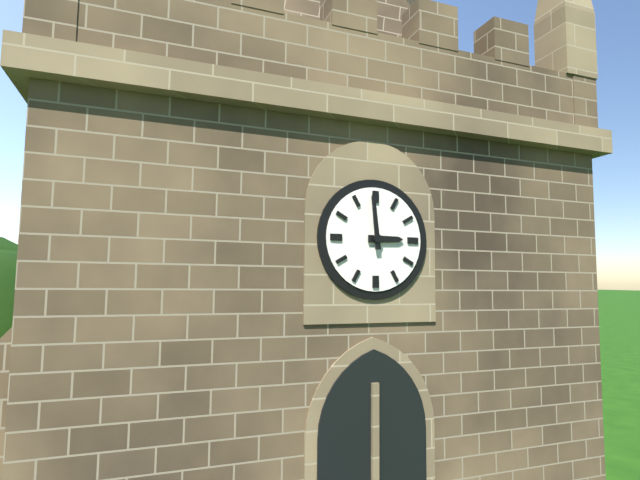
{"hour": 2, "minute": 59}
